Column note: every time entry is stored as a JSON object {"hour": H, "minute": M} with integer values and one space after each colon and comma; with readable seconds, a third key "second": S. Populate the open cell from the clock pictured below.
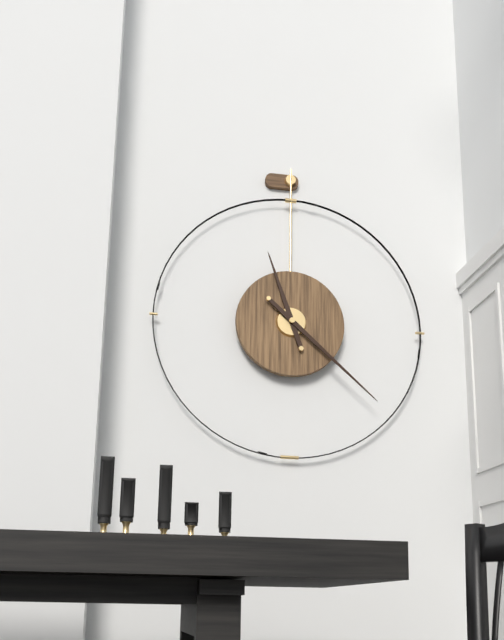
{"hour": 11, "minute": 22}
